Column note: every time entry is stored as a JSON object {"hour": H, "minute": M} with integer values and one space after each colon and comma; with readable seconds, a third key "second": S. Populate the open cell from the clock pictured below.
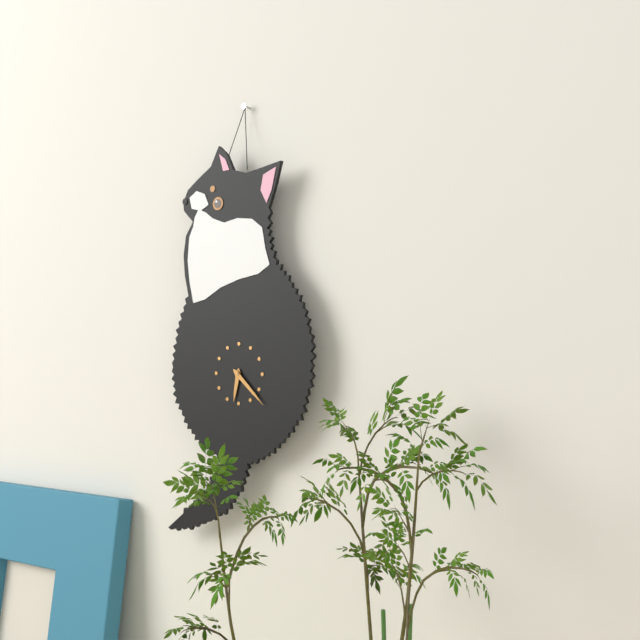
{"hour": 6, "minute": 22}
